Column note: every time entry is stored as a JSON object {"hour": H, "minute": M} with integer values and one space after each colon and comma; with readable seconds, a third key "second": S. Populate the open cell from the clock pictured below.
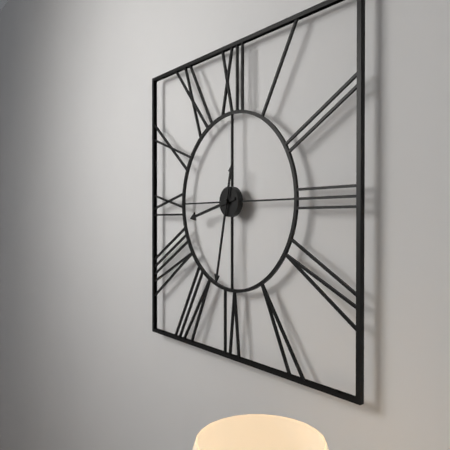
{"hour": 8, "minute": 32}
